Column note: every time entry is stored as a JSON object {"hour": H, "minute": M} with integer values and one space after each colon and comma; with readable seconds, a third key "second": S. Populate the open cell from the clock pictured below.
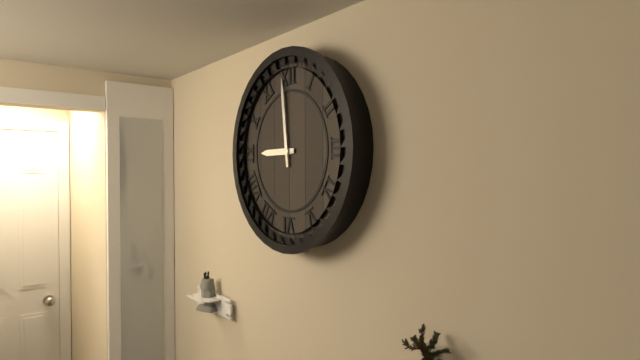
{"hour": 8, "minute": 59}
